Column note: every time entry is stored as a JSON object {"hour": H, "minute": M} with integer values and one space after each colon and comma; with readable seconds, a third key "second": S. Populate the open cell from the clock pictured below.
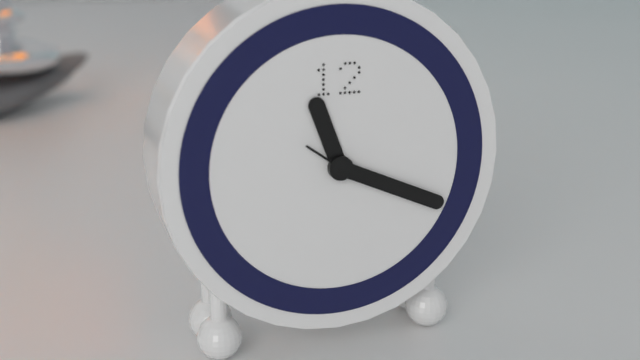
{"hour": 11, "minute": 19}
